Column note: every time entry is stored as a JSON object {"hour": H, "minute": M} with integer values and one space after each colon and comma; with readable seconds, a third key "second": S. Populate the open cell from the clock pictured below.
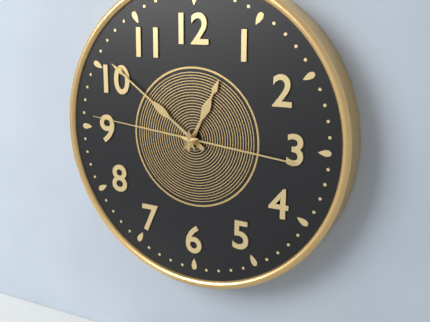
{"hour": 12, "minute": 51, "second": 46}
